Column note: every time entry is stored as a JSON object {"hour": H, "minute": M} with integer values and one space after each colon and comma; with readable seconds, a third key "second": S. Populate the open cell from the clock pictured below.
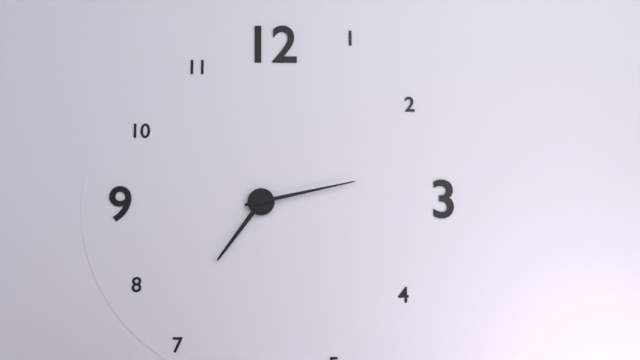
{"hour": 7, "minute": 13}
